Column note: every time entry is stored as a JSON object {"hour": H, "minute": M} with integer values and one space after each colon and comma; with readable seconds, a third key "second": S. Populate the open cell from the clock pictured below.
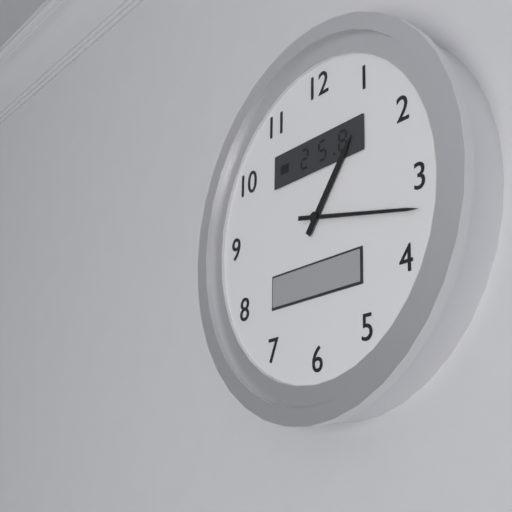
{"hour": 1, "minute": 17}
